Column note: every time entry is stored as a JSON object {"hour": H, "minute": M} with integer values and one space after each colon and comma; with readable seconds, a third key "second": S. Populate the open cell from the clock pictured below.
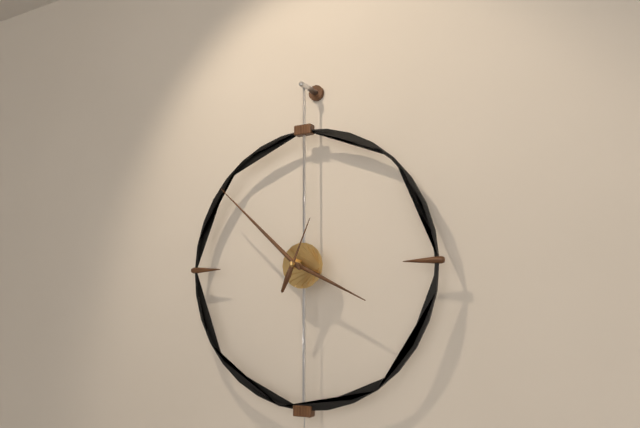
{"hour": 3, "minute": 52, "second": 4}
